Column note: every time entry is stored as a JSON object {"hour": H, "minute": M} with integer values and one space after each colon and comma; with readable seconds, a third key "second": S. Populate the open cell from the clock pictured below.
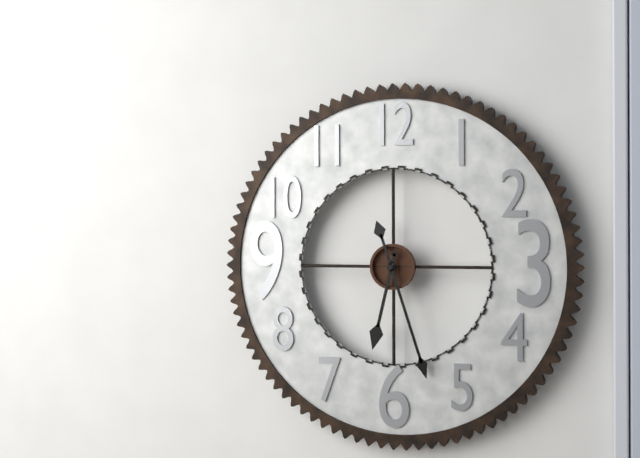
{"hour": 6, "minute": 27}
